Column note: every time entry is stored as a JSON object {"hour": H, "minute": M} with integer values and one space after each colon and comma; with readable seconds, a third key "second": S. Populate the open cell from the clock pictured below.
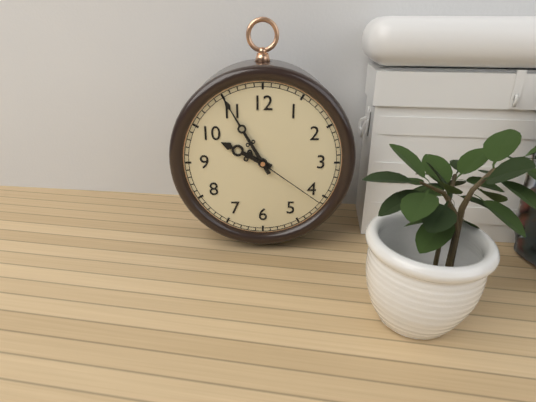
{"hour": 9, "minute": 55, "second": 21}
